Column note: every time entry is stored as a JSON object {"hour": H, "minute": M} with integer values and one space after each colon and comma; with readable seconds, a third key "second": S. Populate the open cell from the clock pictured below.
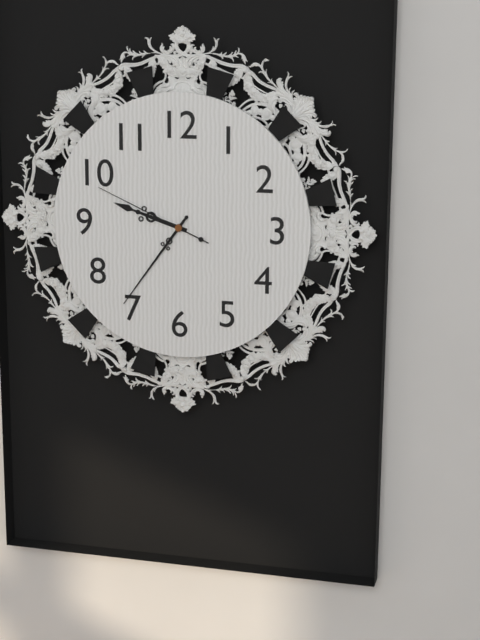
{"hour": 9, "minute": 36, "second": 49}
